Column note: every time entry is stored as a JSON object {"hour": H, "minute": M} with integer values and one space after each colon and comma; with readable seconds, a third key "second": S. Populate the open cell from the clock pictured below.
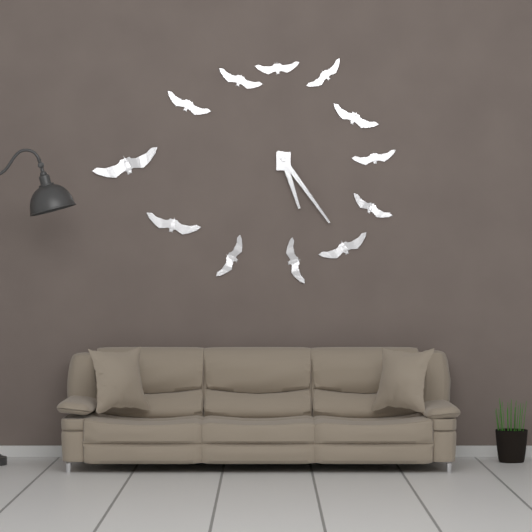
{"hour": 5, "minute": 24}
